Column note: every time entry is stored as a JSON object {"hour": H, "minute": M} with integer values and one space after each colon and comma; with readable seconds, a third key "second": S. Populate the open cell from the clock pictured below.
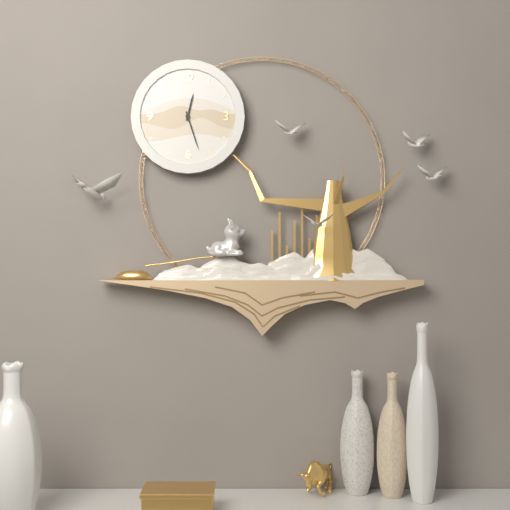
{"hour": 12, "minute": 27}
